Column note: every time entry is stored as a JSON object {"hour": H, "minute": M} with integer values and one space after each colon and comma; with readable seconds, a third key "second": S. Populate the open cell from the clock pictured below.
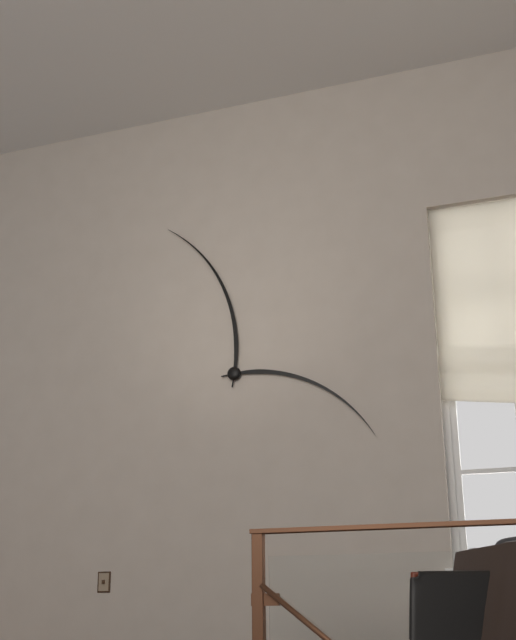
{"hour": 3, "minute": 56}
